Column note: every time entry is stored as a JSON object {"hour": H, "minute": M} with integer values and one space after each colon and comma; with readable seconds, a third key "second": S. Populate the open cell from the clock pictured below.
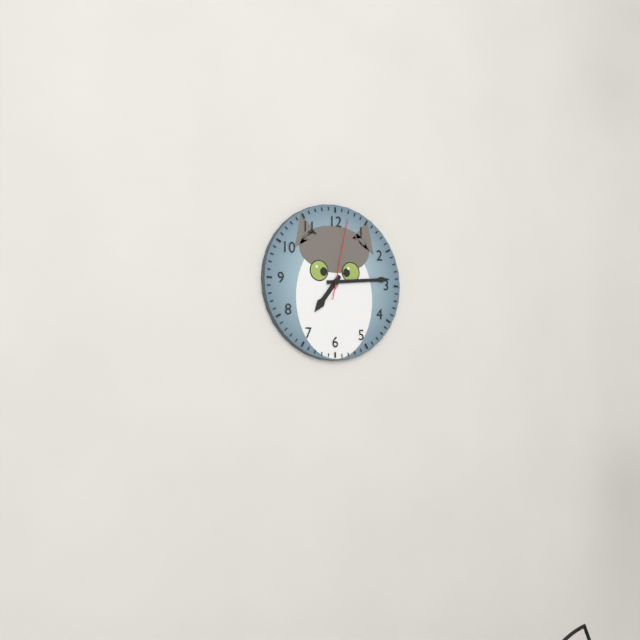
{"hour": 7, "minute": 14, "second": 2}
